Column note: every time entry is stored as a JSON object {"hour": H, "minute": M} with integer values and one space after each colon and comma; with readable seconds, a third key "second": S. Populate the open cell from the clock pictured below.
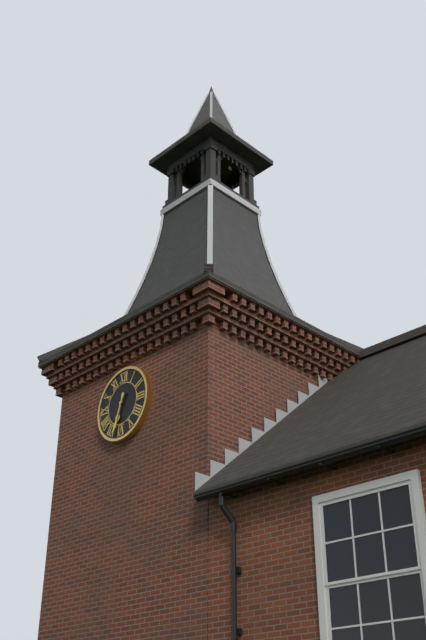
{"hour": 6, "minute": 33}
